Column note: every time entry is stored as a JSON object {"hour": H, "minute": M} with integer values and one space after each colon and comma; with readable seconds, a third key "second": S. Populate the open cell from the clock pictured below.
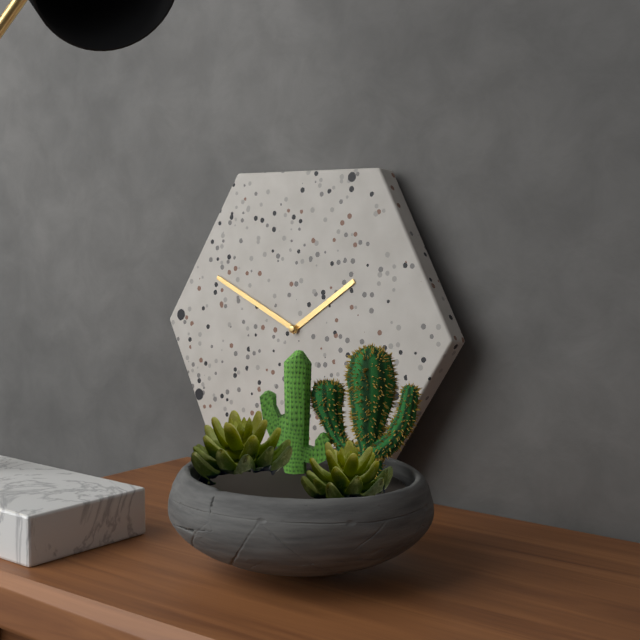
{"hour": 1, "minute": 49}
